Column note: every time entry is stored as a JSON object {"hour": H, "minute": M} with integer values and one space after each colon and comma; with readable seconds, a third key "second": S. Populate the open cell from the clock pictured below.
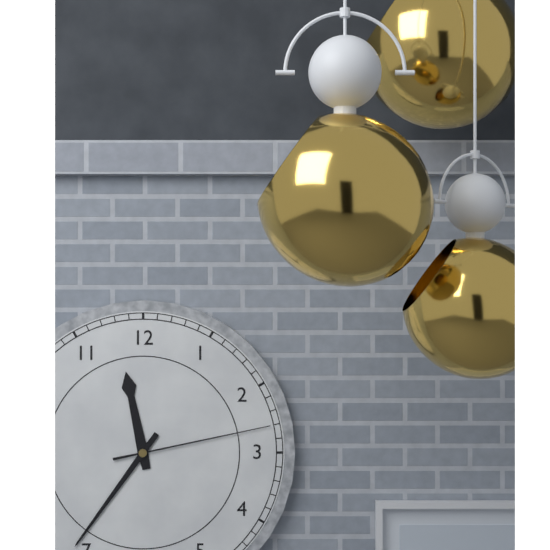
{"hour": 11, "minute": 36, "second": 13}
